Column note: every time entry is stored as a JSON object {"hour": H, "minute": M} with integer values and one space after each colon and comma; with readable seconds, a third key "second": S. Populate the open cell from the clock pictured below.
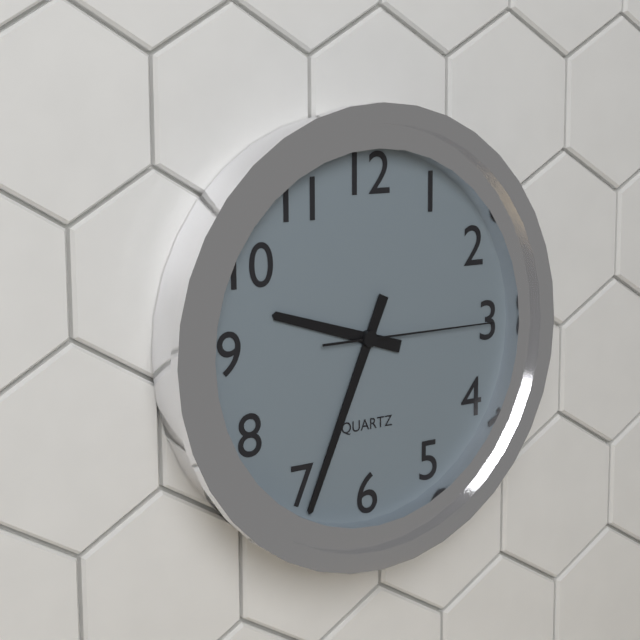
{"hour": 9, "minute": 34, "second": 15}
